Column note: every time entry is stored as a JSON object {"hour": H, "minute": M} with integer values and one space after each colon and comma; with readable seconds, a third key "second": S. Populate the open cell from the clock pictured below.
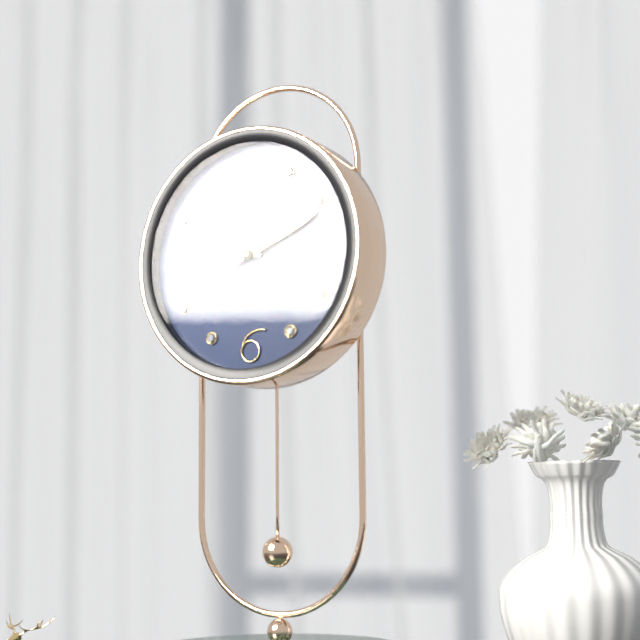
{"hour": 9, "minute": 11, "second": 10}
